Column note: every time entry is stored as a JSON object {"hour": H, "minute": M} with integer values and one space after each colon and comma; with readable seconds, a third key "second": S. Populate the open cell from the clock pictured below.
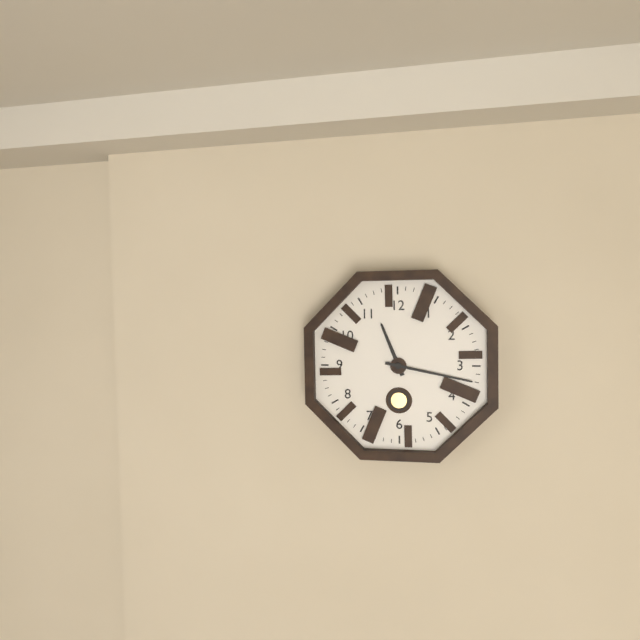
{"hour": 11, "minute": 17}
